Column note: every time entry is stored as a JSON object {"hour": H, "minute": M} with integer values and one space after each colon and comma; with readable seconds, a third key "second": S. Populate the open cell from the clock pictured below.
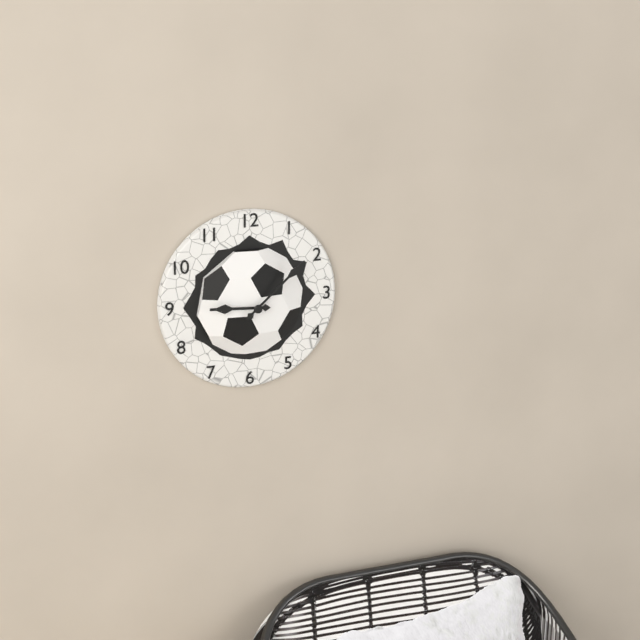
{"hour": 9, "minute": 8}
